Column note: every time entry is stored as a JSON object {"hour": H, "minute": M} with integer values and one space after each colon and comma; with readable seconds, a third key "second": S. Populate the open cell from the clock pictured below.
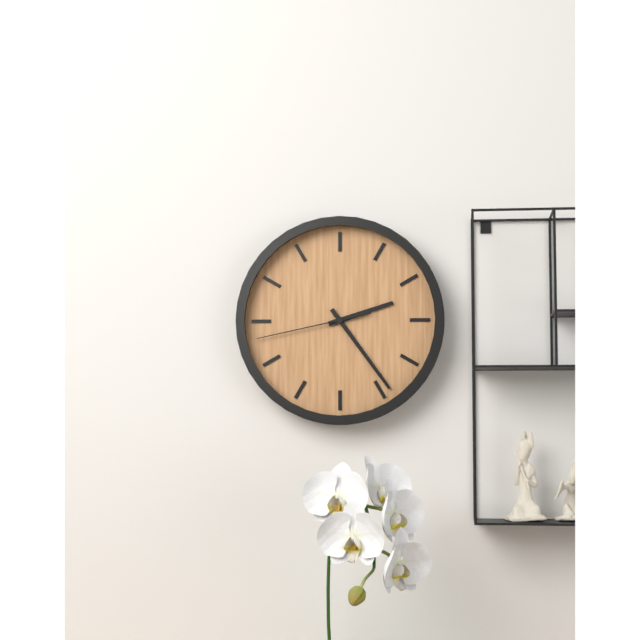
{"hour": 2, "minute": 24, "second": 43}
